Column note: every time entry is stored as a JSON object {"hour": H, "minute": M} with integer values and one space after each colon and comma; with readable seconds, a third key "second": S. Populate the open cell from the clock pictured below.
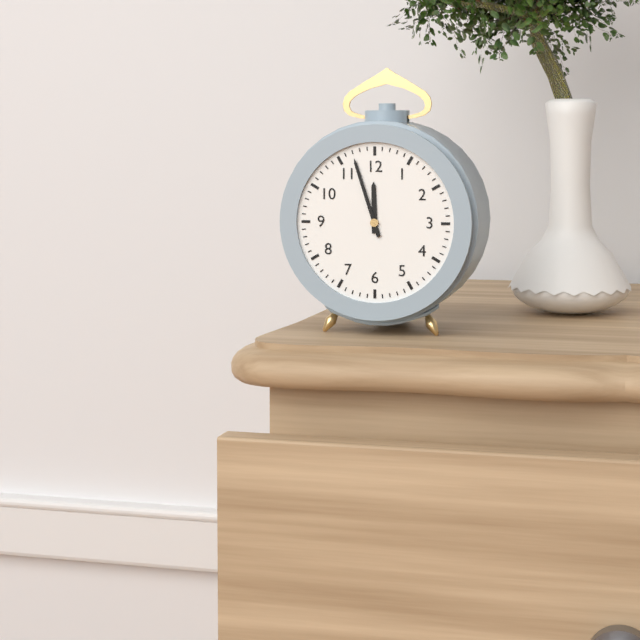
{"hour": 11, "minute": 57}
